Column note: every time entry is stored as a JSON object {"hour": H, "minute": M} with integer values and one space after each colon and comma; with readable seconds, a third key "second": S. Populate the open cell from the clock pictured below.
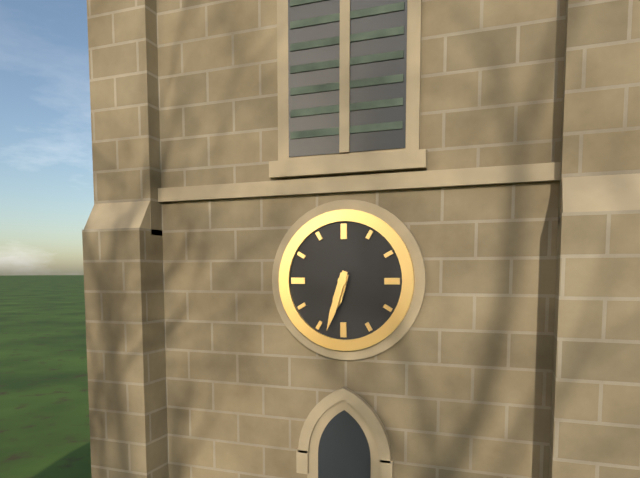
{"hour": 6, "minute": 33}
